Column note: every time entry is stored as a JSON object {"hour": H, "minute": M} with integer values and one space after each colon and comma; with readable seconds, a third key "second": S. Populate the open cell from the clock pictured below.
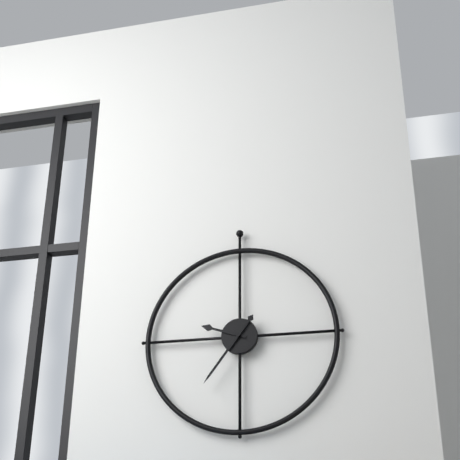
{"hour": 9, "minute": 36}
